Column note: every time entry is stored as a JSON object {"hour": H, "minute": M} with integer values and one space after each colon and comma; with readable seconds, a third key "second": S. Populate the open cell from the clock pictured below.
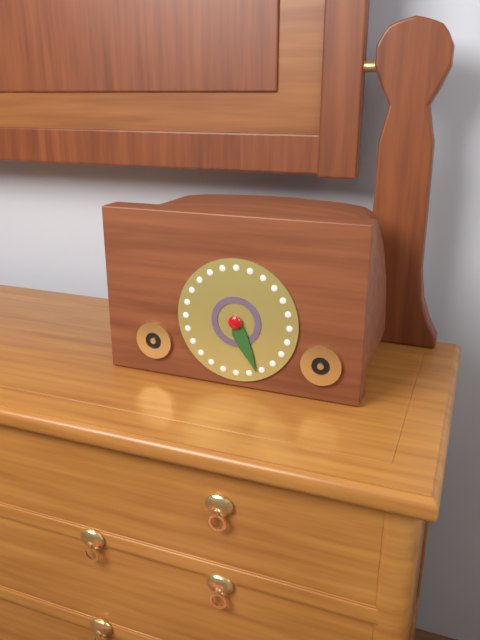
{"hour": 5, "minute": 26}
